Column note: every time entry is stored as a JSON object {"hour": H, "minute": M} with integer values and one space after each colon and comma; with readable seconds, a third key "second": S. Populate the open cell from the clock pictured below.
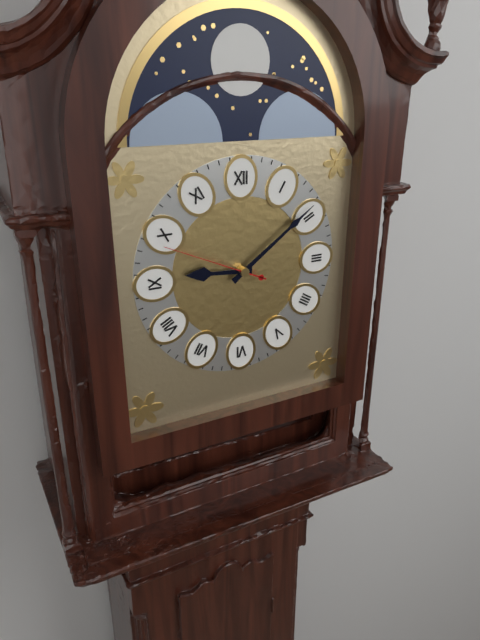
{"hour": 9, "minute": 9, "second": 49}
